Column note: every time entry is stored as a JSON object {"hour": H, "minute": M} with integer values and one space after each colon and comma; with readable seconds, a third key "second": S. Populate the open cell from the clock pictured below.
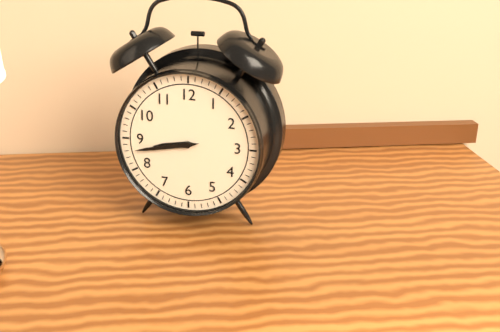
{"hour": 8, "minute": 43}
